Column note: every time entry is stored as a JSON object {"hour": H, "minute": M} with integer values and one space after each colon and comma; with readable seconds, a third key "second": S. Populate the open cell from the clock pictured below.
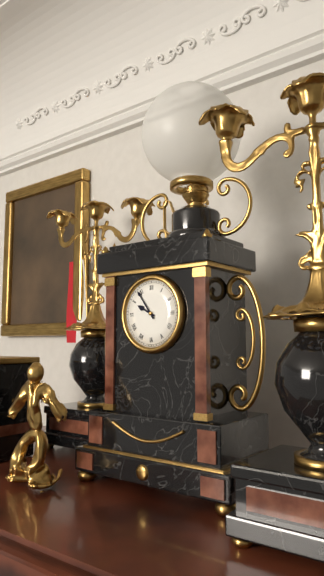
{"hour": 9, "minute": 54}
